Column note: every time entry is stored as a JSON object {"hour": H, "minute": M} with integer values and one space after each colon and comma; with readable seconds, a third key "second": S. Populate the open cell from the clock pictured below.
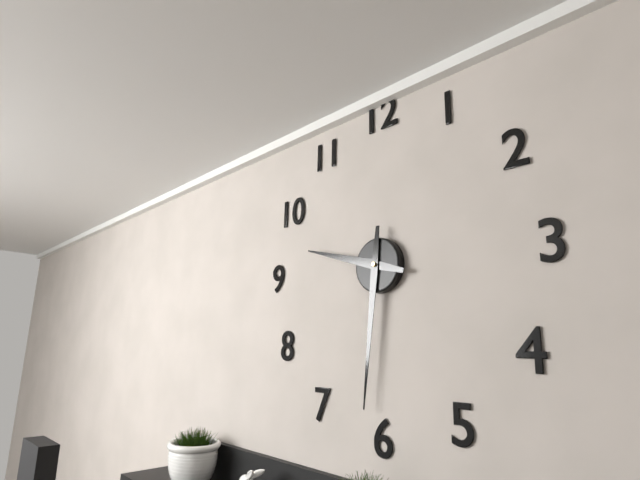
{"hour": 9, "minute": 31}
